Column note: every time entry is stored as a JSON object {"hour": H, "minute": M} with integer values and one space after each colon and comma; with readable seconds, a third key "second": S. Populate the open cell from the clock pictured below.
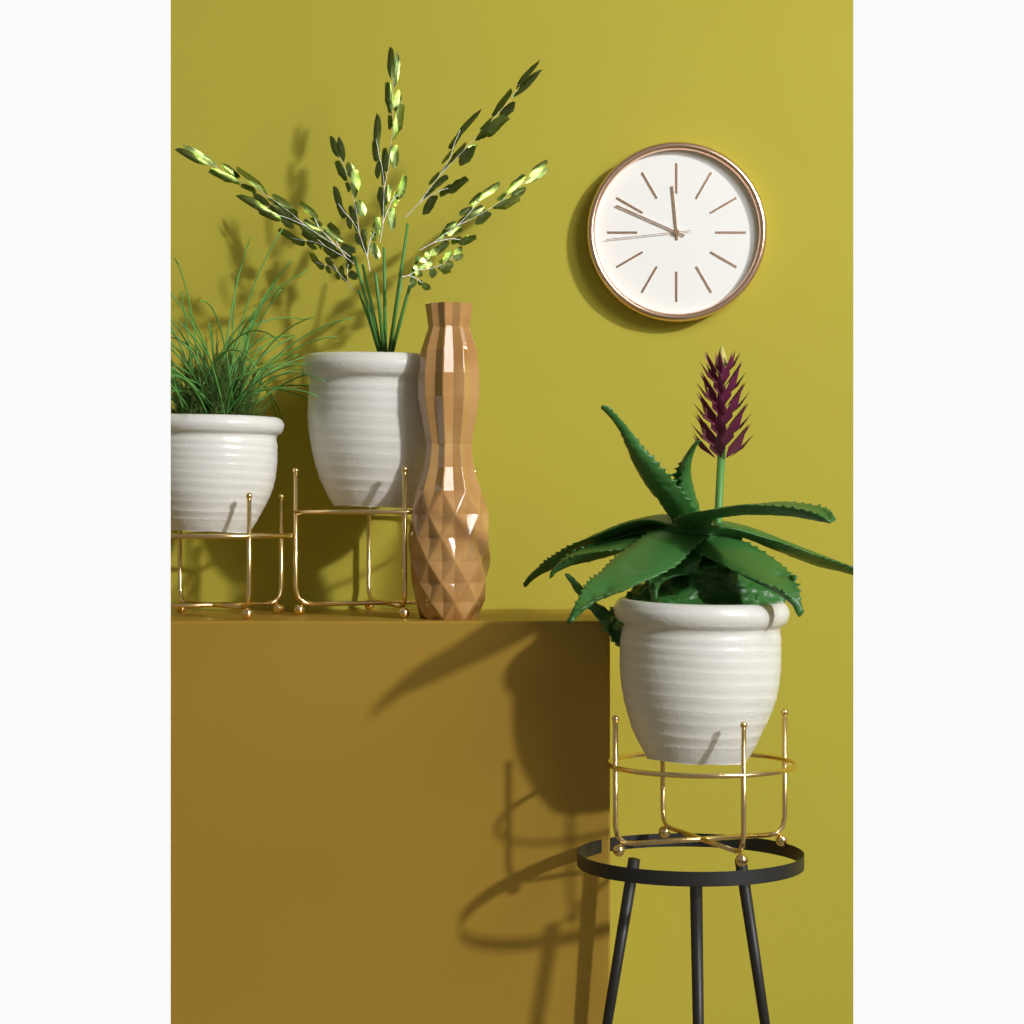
{"hour": 11, "minute": 49, "second": 44}
